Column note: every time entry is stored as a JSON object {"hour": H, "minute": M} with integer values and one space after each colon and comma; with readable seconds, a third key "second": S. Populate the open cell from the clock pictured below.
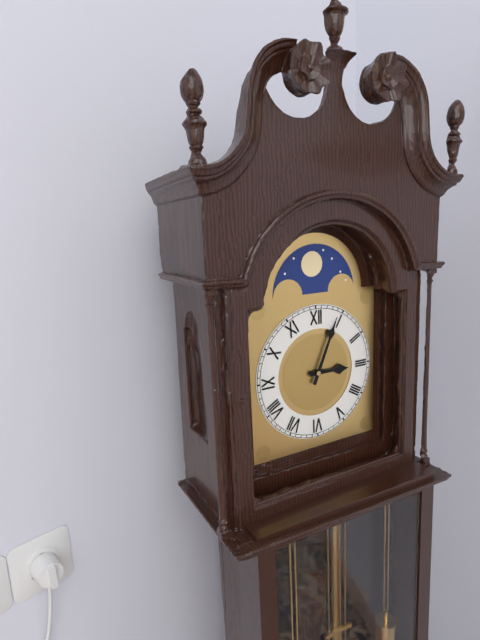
{"hour": 3, "minute": 4}
